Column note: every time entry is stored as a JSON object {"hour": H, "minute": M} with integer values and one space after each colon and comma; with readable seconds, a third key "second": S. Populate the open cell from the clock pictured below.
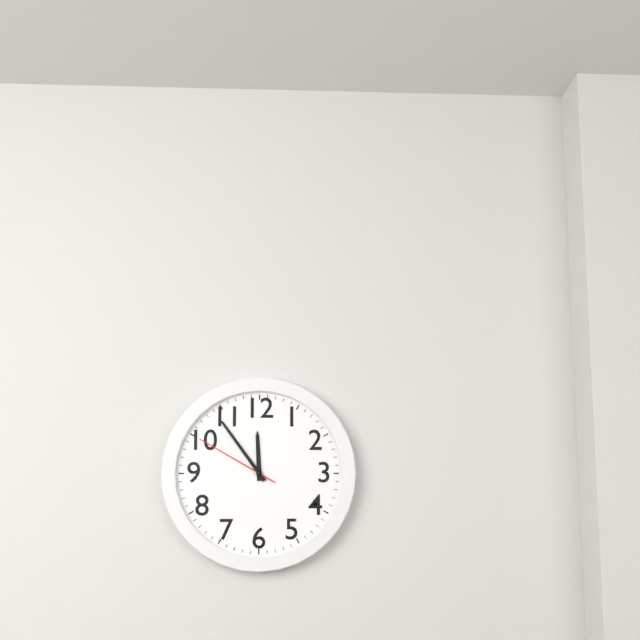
{"hour": 11, "minute": 54, "second": 50}
